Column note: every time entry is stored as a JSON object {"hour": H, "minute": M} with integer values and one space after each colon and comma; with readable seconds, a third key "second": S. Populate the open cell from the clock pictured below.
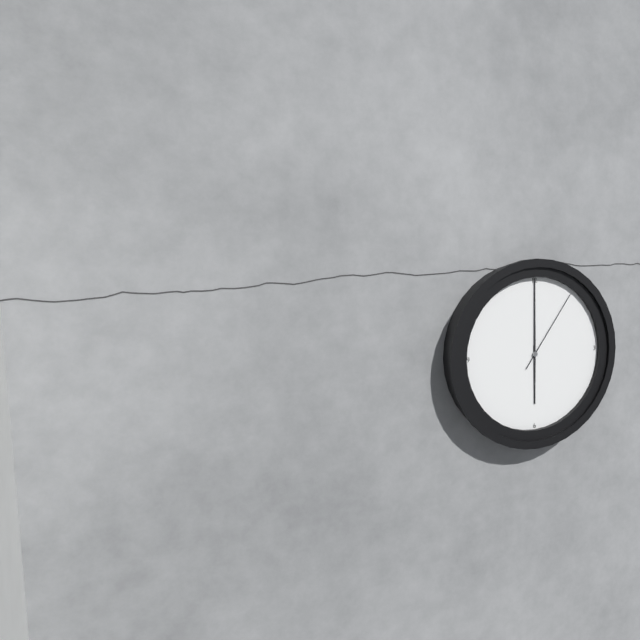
{"hour": 6, "minute": 0, "second": 6}
